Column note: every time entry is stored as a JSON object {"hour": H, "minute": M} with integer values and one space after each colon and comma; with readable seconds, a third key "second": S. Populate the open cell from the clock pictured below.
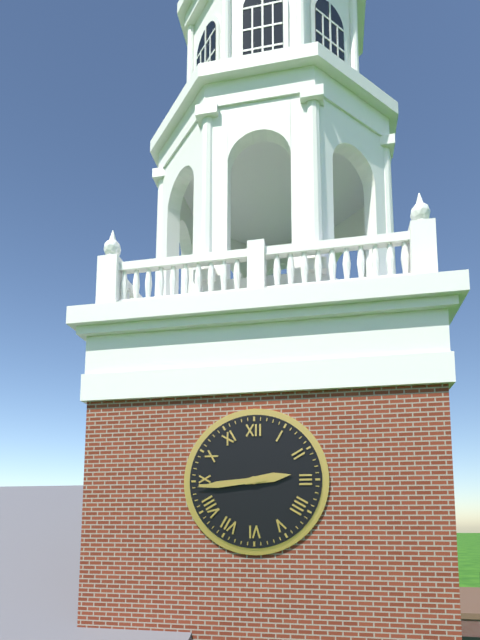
{"hour": 2, "minute": 44}
